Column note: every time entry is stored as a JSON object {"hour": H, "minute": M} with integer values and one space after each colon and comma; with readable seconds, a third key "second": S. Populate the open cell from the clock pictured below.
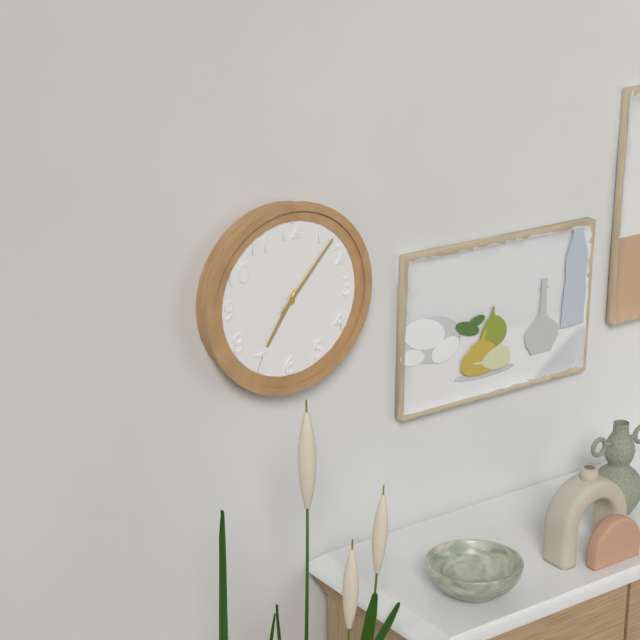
{"hour": 7, "minute": 7}
